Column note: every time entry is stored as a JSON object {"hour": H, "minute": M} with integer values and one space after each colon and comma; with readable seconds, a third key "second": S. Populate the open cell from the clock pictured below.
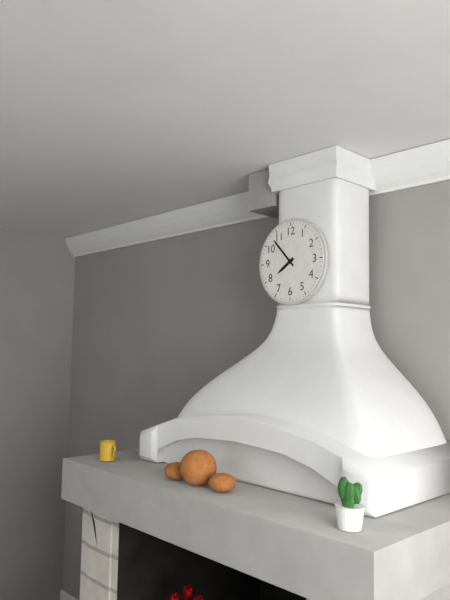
{"hour": 7, "minute": 53}
